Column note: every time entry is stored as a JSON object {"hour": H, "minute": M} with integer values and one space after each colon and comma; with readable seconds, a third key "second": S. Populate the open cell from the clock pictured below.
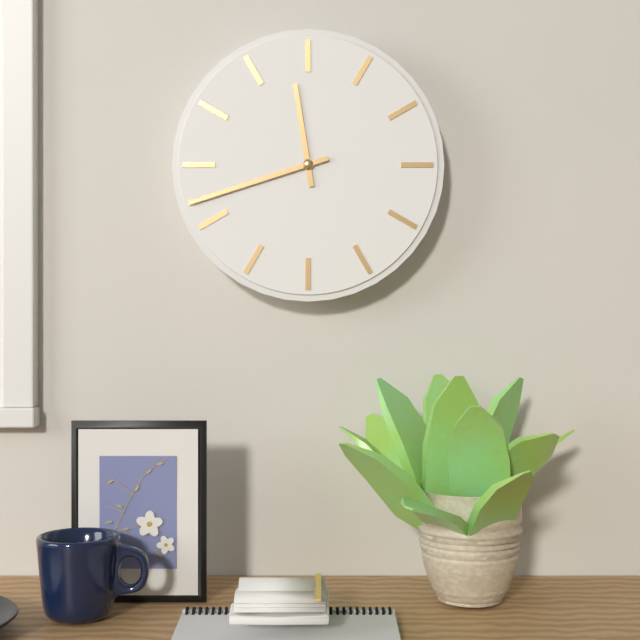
{"hour": 11, "minute": 42}
